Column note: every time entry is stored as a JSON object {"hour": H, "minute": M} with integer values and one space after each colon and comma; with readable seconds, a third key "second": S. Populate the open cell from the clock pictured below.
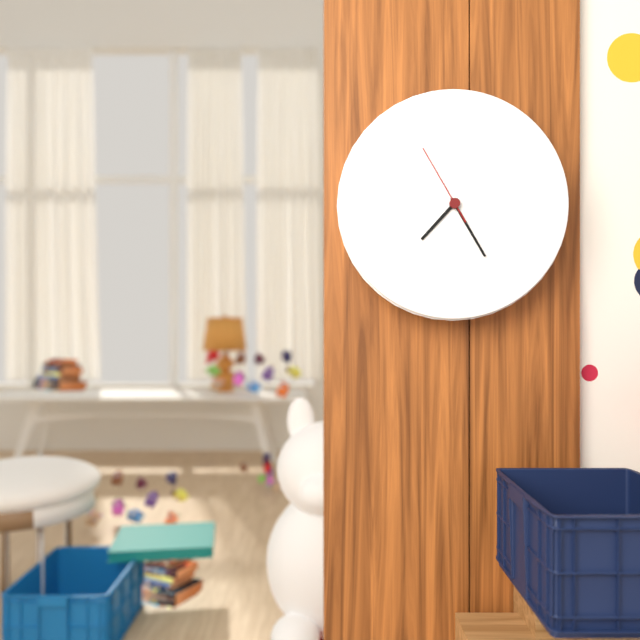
{"hour": 7, "minute": 25, "second": 55}
